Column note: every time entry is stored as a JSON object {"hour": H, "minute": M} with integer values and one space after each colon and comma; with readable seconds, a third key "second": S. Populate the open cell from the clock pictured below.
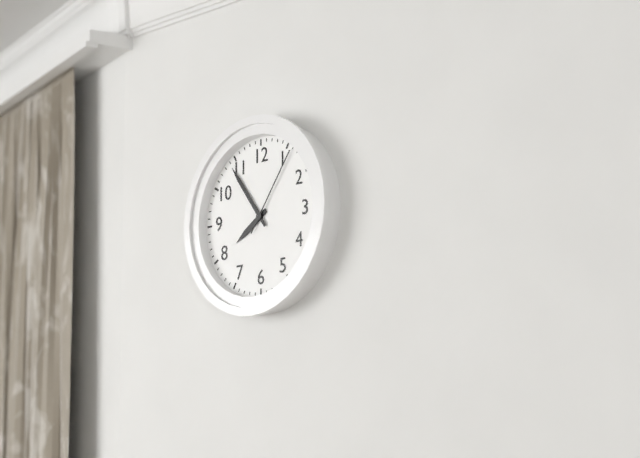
{"hour": 7, "minute": 54, "second": 6}
